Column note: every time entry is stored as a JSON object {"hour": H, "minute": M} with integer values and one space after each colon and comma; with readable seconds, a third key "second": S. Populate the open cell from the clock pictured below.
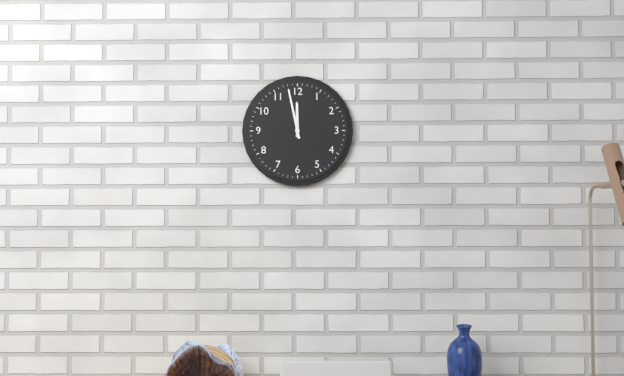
{"hour": 11, "minute": 58}
